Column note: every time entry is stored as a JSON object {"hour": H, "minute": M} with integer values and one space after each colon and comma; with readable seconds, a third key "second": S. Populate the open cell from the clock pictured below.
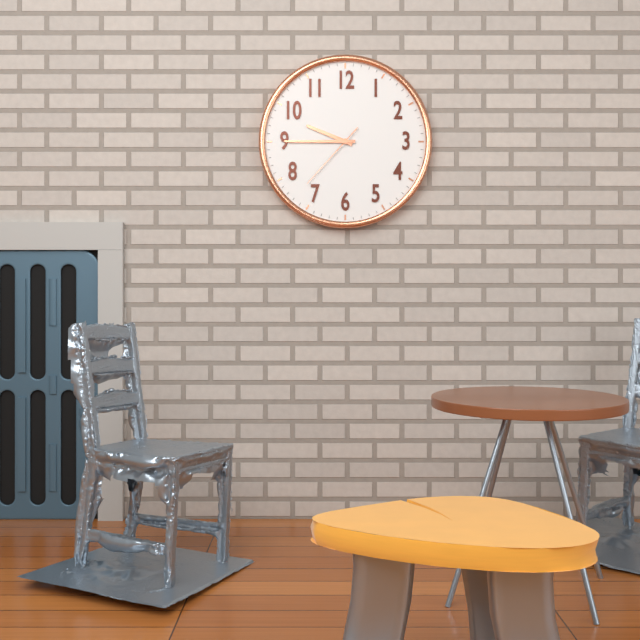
{"hour": 9, "minute": 45, "second": 37}
